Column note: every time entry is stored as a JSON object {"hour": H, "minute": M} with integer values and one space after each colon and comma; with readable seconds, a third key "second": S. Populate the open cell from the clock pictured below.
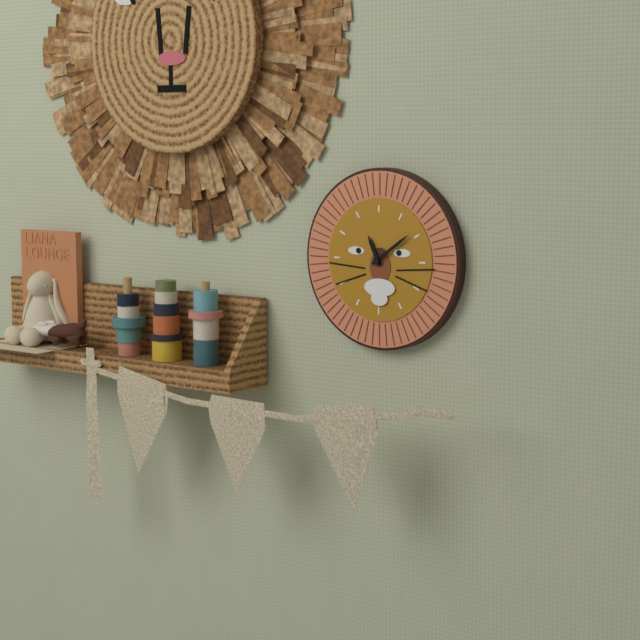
{"hour": 11, "minute": 9}
